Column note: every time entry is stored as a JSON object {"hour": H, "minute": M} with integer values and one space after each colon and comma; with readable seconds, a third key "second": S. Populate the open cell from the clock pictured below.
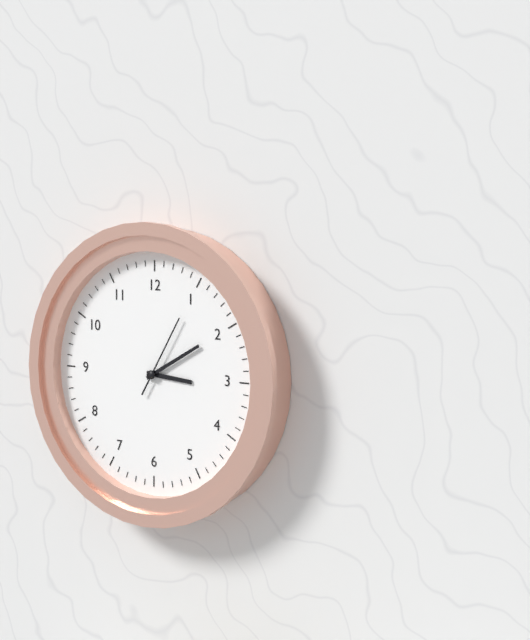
{"hour": 3, "minute": 10, "second": 5}
